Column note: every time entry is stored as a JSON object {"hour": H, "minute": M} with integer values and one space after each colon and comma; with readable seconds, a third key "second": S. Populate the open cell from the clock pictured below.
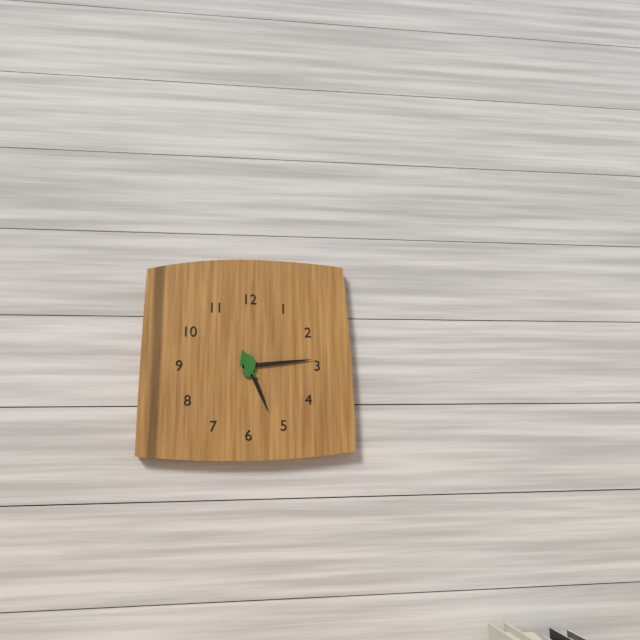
{"hour": 5, "minute": 14}
